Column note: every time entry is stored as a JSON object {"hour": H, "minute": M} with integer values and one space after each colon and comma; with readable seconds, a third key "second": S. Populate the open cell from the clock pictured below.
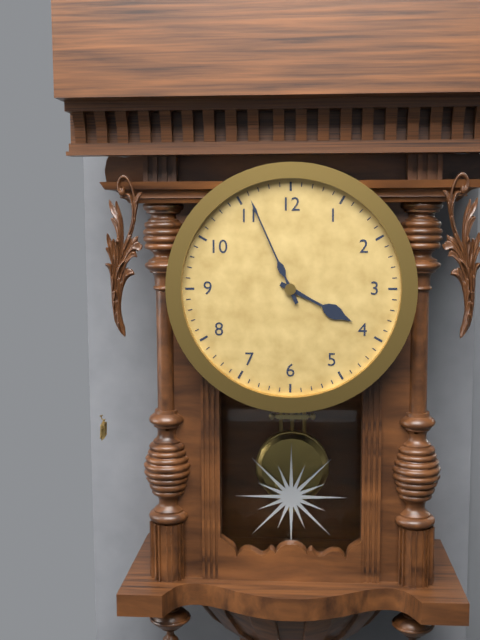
{"hour": 3, "minute": 56}
